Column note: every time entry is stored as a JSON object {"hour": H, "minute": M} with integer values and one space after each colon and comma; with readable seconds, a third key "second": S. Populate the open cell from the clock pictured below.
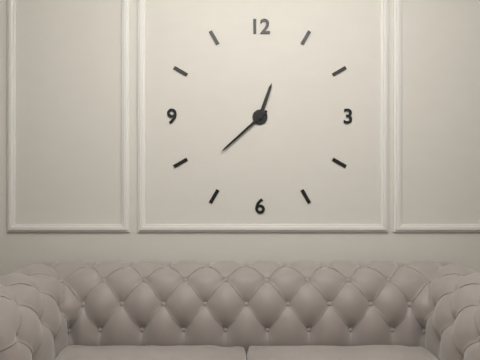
{"hour": 12, "minute": 38}
